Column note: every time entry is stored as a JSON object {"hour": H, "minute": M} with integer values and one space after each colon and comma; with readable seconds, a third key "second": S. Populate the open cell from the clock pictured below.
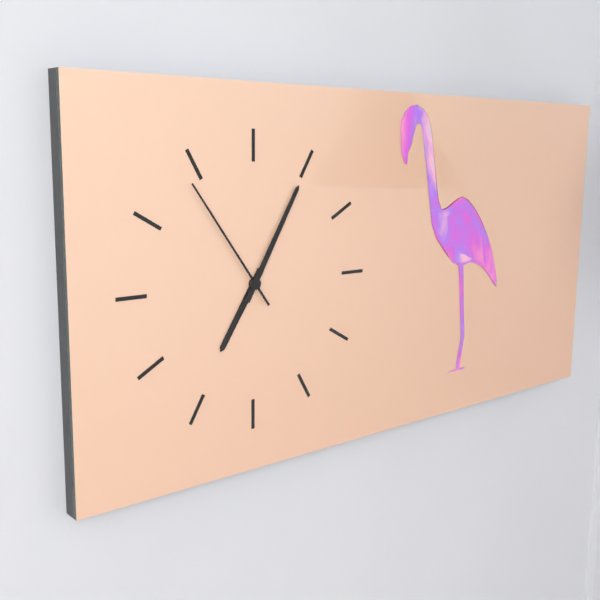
{"hour": 7, "minute": 5, "second": 54}
